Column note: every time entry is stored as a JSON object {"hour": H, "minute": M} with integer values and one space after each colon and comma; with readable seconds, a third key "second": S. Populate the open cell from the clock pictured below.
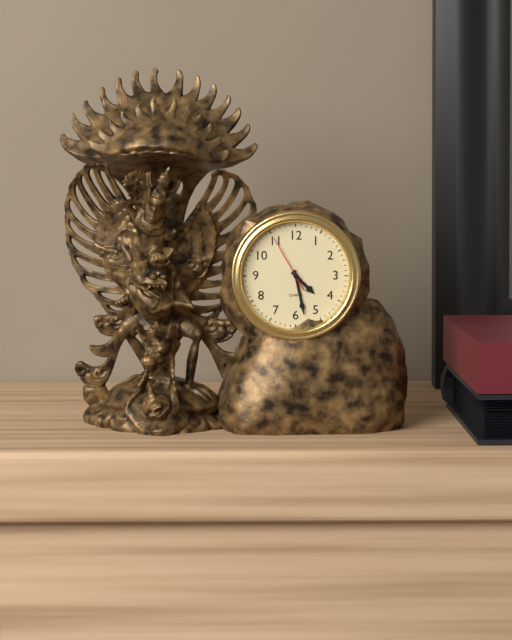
{"hour": 4, "minute": 28, "second": 55}
